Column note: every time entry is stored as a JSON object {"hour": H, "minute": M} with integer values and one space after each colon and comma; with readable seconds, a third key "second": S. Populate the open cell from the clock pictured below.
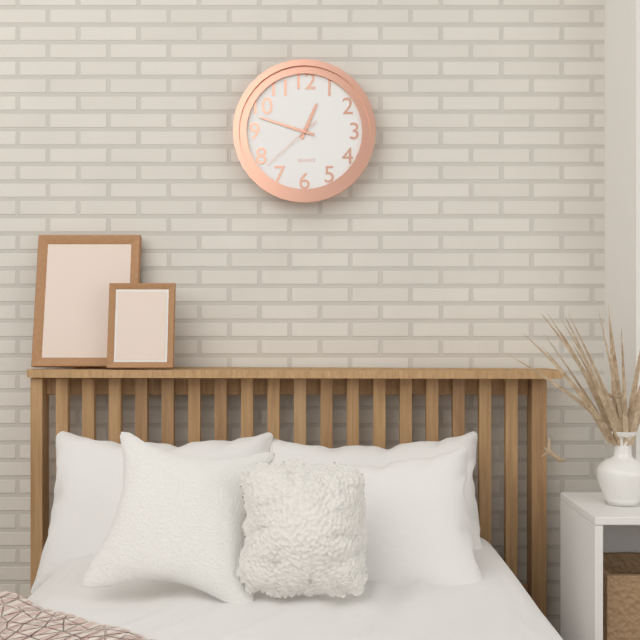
{"hour": 12, "minute": 48, "second": 38}
